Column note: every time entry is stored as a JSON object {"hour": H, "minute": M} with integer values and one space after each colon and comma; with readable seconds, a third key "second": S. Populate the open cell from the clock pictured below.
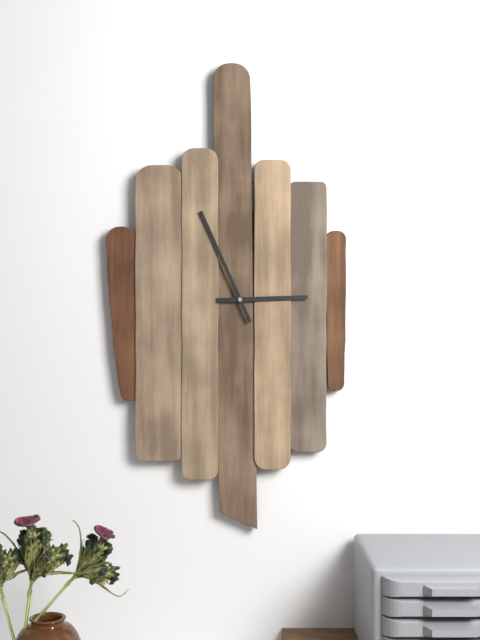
{"hour": 2, "minute": 56}
